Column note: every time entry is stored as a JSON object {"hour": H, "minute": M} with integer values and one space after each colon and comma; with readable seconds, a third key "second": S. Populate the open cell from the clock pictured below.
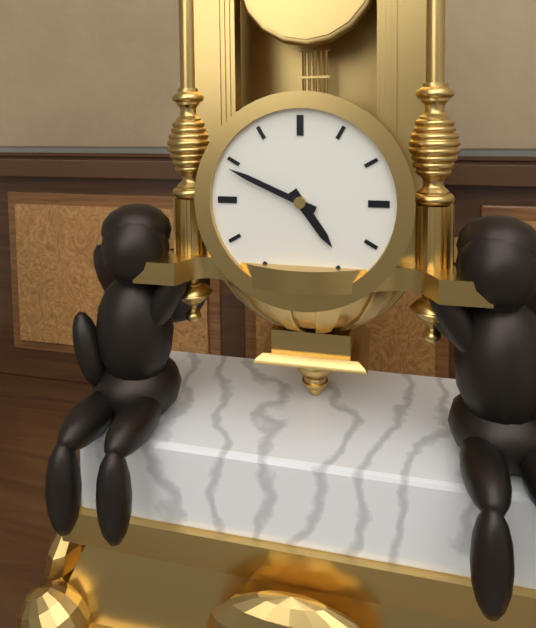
{"hour": 4, "minute": 49}
